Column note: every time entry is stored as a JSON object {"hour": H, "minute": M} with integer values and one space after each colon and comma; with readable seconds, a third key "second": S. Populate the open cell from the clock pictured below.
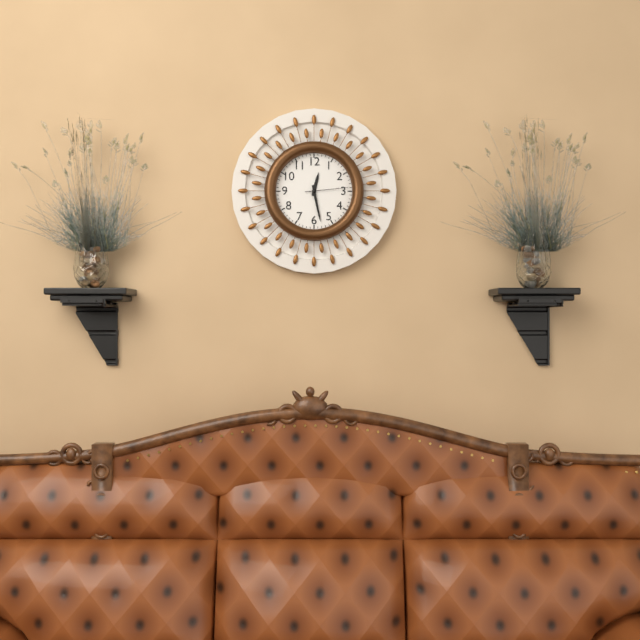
{"hour": 12, "minute": 28}
